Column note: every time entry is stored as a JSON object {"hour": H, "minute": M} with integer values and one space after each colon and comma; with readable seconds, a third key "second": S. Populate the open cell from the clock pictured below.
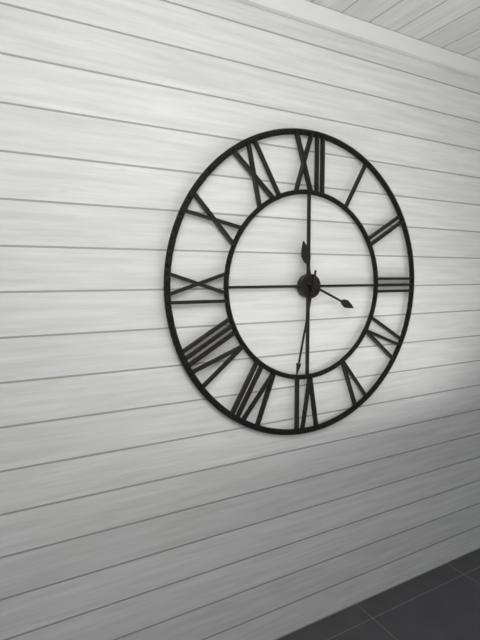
{"hour": 11, "minute": 32, "second": 19}
